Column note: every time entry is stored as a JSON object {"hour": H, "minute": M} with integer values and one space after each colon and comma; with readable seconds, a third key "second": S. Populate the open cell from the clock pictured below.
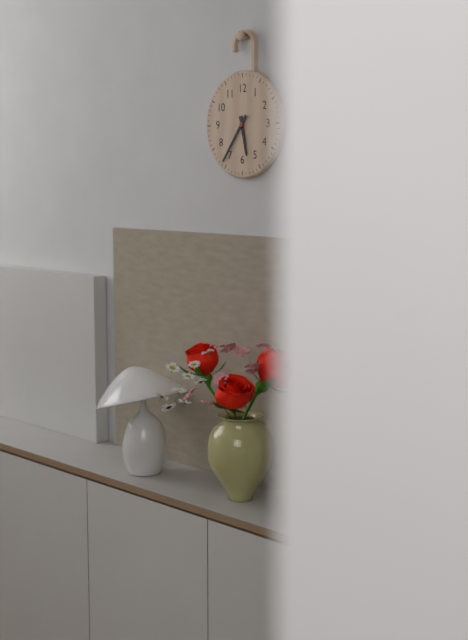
{"hour": 5, "minute": 36}
